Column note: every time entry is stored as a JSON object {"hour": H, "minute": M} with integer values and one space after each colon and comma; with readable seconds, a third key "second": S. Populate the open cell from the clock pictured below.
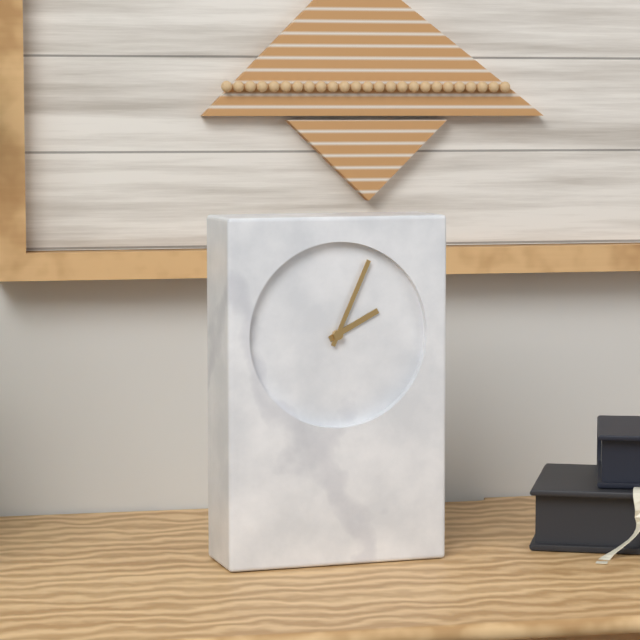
{"hour": 2, "minute": 4}
